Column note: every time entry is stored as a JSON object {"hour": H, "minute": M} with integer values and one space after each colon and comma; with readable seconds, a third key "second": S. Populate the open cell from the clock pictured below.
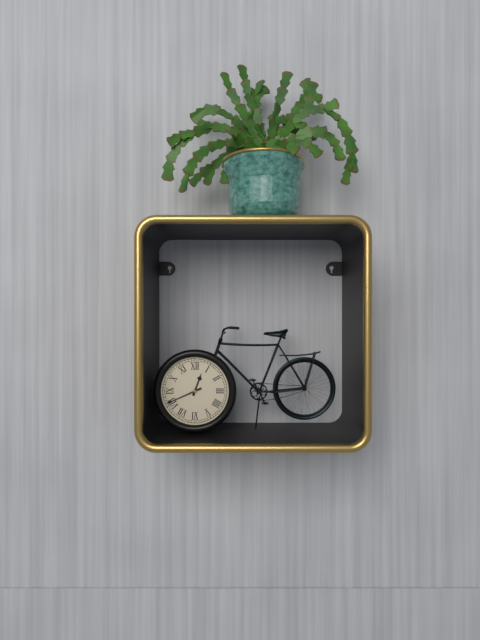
{"hour": 12, "minute": 41}
